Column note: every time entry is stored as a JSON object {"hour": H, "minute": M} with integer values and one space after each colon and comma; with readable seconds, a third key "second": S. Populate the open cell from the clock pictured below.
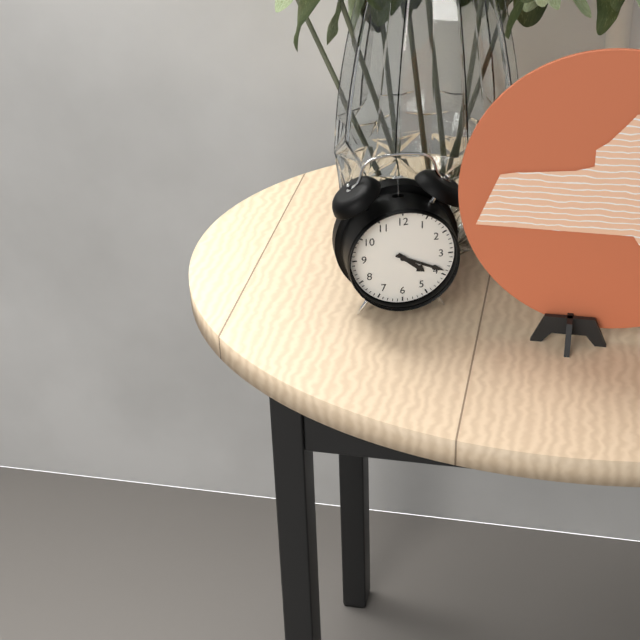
{"hour": 4, "minute": 19}
